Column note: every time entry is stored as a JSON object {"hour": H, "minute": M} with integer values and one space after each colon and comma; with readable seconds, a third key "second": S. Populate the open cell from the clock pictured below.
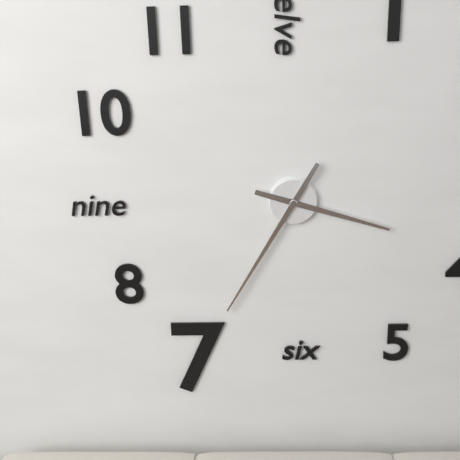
{"hour": 3, "minute": 35}
